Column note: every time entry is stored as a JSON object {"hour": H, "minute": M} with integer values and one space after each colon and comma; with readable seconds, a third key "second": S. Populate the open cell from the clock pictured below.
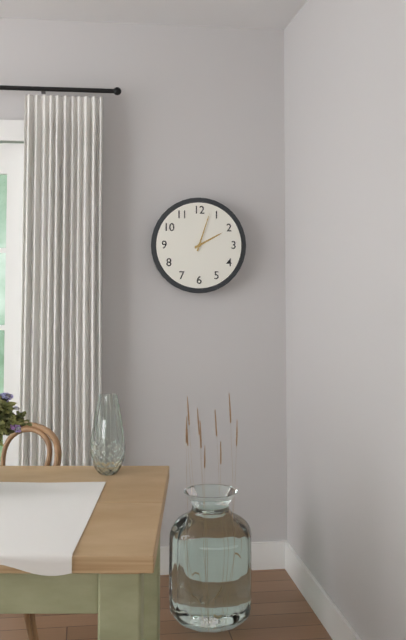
{"hour": 2, "minute": 3}
